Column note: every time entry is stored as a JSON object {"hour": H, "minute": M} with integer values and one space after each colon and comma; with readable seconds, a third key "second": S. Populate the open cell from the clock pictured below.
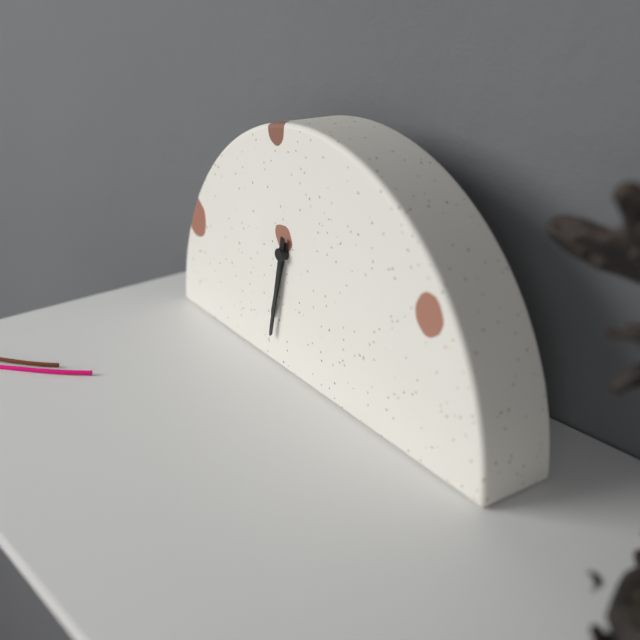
{"hour": 6, "minute": 32}
